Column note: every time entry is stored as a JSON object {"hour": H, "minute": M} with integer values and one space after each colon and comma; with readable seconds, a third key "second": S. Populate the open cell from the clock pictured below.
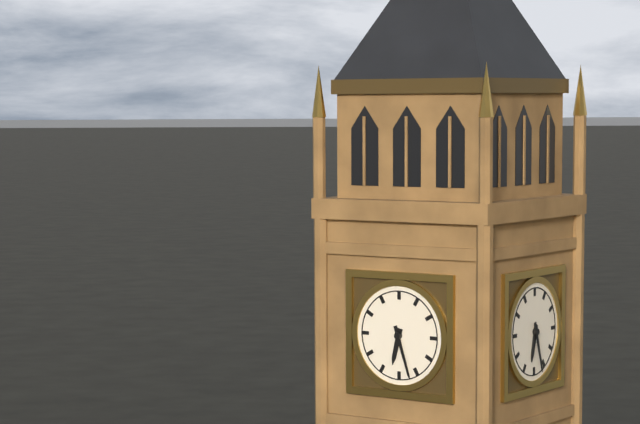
{"hour": 6, "minute": 27}
